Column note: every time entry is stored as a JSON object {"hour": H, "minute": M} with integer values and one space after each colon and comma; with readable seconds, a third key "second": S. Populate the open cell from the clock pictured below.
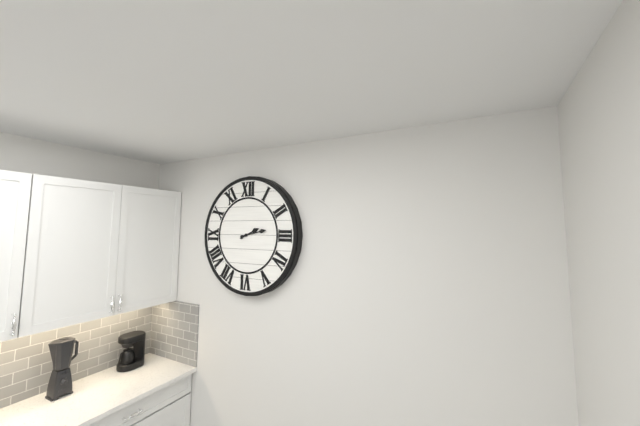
{"hour": 2, "minute": 13}
